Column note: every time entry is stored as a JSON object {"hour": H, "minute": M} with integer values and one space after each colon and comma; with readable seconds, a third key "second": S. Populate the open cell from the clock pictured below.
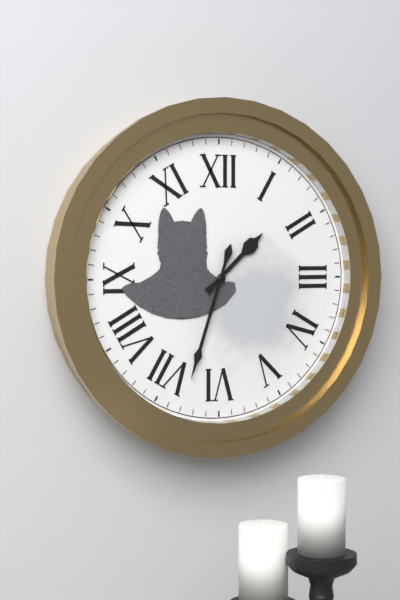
{"hour": 1, "minute": 33}
